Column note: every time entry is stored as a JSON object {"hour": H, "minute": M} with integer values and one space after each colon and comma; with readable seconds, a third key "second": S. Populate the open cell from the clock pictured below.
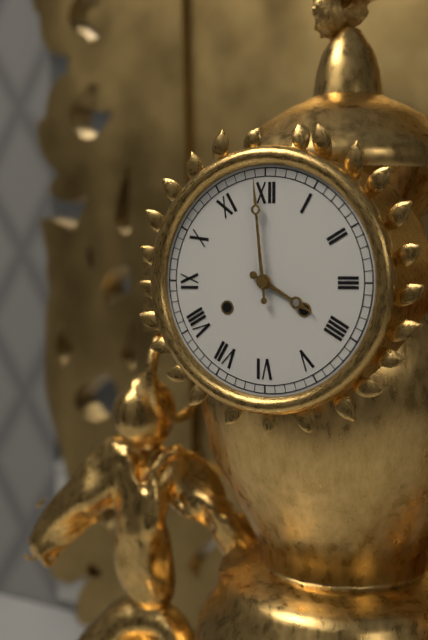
{"hour": 3, "minute": 59}
